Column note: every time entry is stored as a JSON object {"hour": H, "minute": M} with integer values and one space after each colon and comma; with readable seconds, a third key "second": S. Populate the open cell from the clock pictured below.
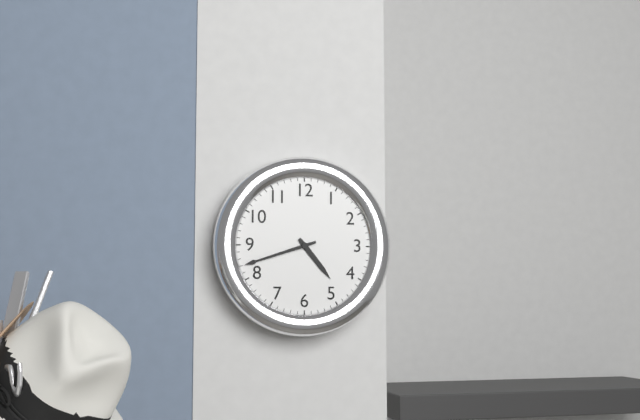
{"hour": 4, "minute": 42}
